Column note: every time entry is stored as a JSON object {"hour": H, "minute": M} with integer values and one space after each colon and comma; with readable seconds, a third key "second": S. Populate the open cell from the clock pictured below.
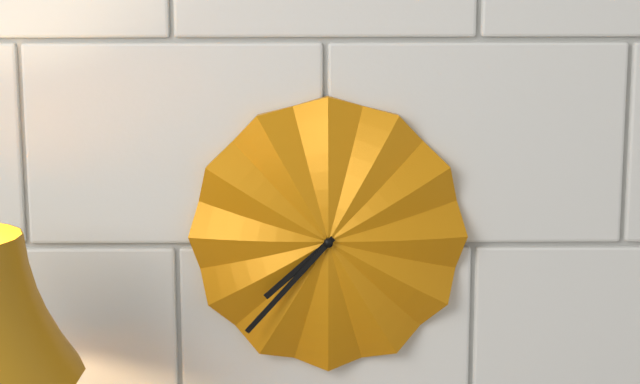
{"hour": 7, "minute": 37}
